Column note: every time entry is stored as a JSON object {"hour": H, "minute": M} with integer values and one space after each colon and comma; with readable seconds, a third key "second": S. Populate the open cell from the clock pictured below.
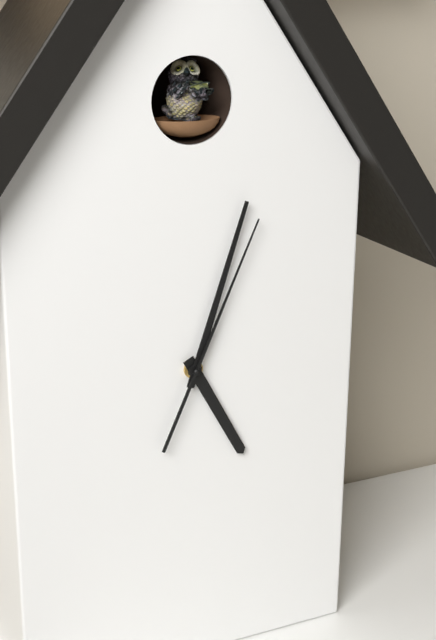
{"hour": 5, "minute": 3, "second": 4}
